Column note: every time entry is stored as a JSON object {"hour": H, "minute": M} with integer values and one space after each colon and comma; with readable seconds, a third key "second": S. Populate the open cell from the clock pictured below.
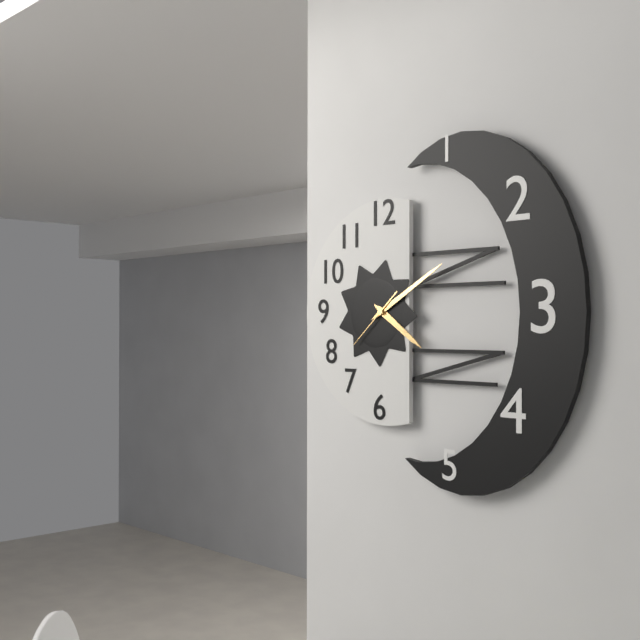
{"hour": 4, "minute": 10, "second": 38}
